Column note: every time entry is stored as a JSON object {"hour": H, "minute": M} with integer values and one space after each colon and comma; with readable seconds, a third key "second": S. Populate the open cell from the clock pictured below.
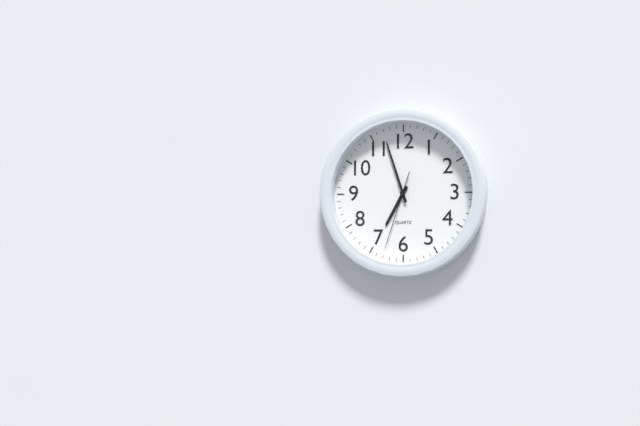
{"hour": 6, "minute": 57, "second": 33}
